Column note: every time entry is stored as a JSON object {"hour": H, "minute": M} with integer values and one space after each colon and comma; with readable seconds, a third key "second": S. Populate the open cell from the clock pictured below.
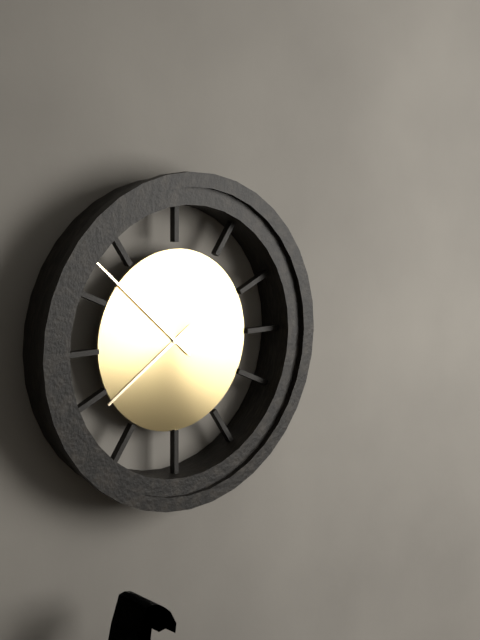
{"hour": 7, "minute": 52}
